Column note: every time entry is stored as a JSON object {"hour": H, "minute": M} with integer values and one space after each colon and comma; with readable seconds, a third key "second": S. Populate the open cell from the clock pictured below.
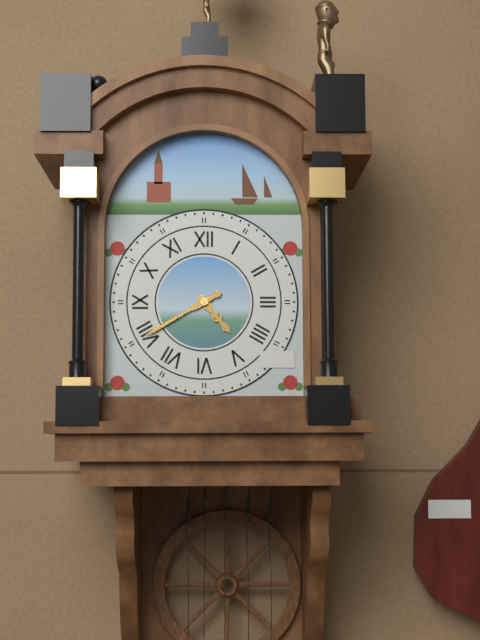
{"hour": 4, "minute": 40}
